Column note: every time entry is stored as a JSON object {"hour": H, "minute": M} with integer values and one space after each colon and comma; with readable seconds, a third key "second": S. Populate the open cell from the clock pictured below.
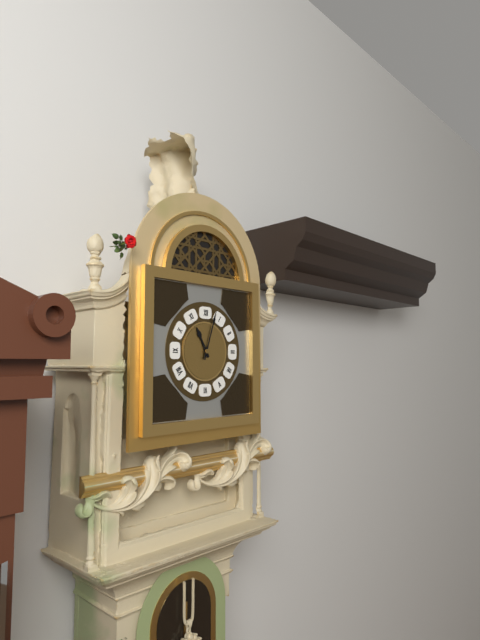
{"hour": 11, "minute": 3}
